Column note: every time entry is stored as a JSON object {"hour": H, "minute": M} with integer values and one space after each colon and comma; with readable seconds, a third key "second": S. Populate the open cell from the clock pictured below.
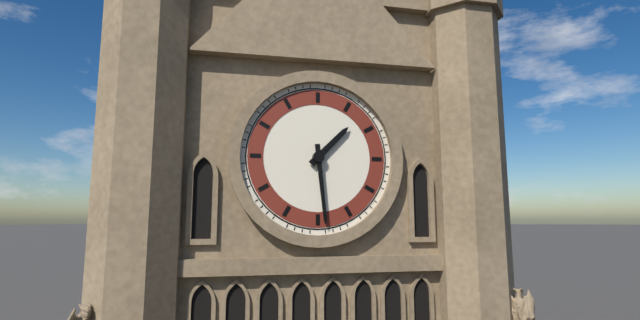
{"hour": 1, "minute": 29}
